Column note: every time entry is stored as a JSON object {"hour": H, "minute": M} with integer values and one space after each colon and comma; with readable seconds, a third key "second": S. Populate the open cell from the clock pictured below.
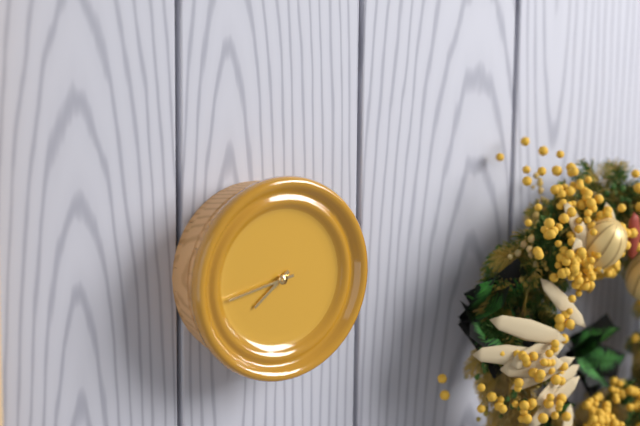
{"hour": 7, "minute": 43}
